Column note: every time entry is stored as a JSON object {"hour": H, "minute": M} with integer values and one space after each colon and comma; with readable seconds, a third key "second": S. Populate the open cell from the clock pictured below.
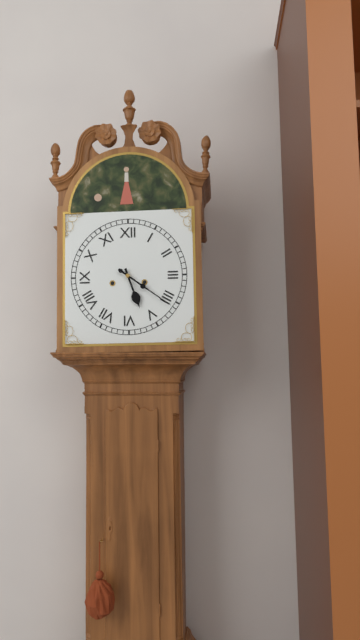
{"hour": 5, "minute": 21}
